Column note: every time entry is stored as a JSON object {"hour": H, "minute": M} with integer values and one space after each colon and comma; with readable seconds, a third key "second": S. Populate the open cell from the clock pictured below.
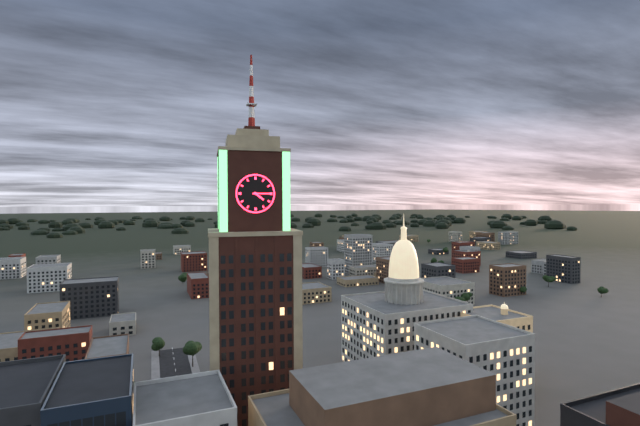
{"hour": 4, "minute": 15}
